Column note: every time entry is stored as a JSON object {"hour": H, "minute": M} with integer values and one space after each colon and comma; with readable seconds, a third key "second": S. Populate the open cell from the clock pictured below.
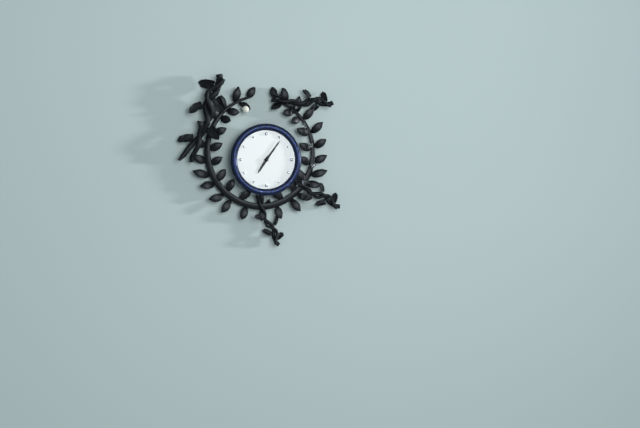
{"hour": 7, "minute": 6}
